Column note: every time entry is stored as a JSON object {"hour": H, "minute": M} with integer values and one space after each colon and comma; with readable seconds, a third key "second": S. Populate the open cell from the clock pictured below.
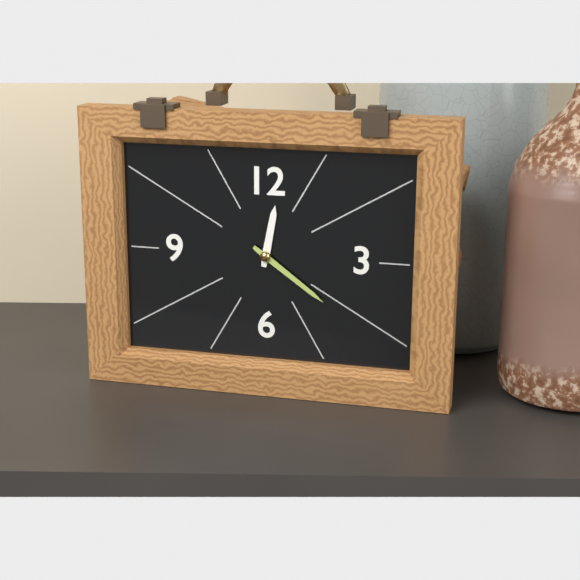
{"hour": 12, "minute": 21}
